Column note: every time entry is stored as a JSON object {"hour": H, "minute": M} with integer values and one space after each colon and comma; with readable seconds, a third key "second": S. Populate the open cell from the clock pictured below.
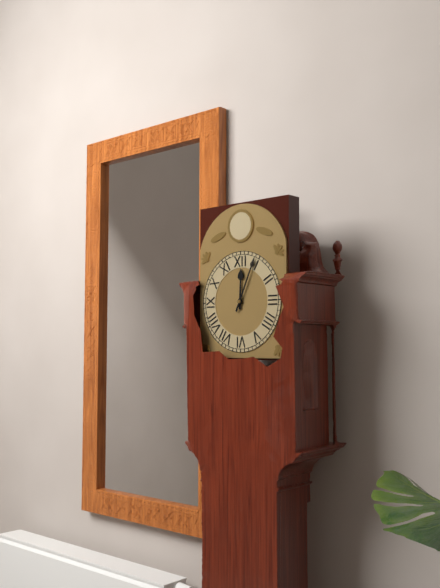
{"hour": 12, "minute": 4}
